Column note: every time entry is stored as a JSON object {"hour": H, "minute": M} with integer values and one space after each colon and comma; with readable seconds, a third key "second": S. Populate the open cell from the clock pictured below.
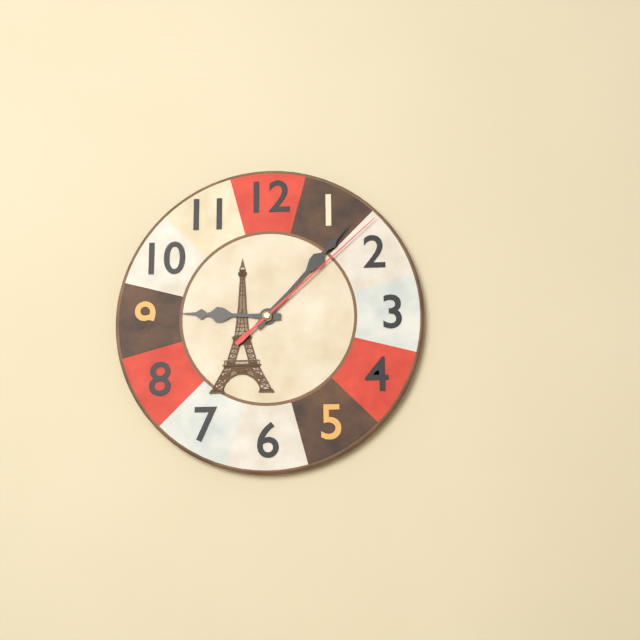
{"hour": 9, "minute": 7, "second": 8}
